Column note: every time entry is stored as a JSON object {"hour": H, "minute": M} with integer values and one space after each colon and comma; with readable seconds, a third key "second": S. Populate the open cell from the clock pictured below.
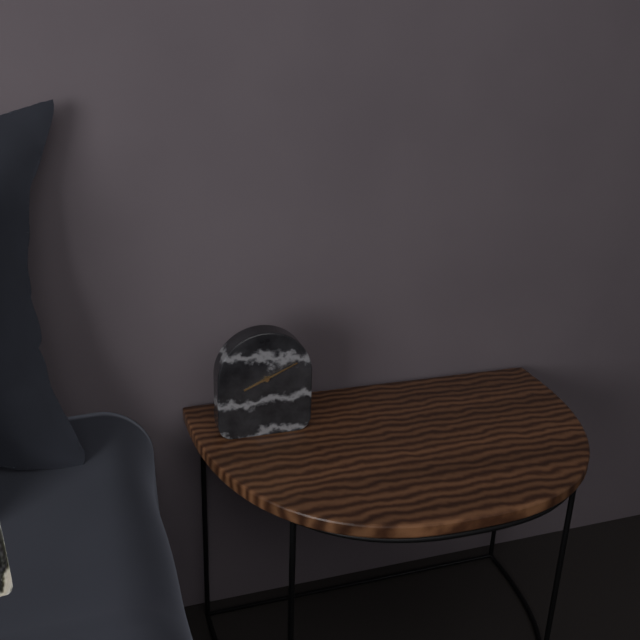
{"hour": 8, "minute": 11}
